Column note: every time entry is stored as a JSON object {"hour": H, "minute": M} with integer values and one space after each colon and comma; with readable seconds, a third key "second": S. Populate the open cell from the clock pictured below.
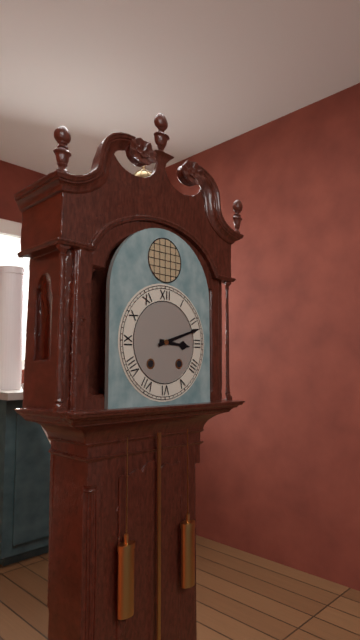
{"hour": 3, "minute": 12}
